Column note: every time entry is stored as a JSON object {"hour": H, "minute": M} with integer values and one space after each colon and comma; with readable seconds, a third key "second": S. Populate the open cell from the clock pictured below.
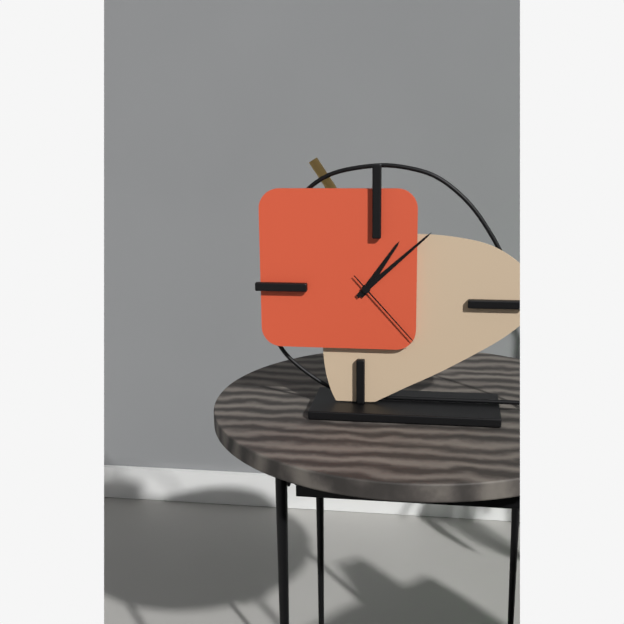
{"hour": 1, "minute": 8, "second": 23}
